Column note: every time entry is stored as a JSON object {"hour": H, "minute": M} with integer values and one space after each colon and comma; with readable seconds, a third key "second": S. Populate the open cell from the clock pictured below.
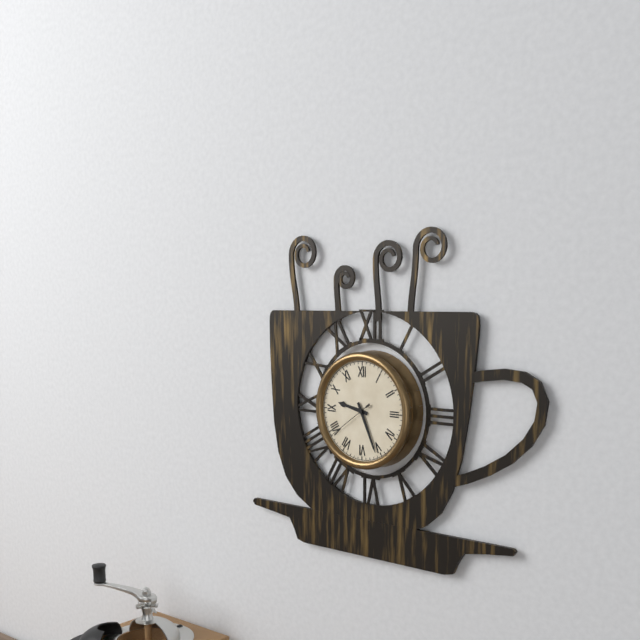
{"hour": 9, "minute": 26}
